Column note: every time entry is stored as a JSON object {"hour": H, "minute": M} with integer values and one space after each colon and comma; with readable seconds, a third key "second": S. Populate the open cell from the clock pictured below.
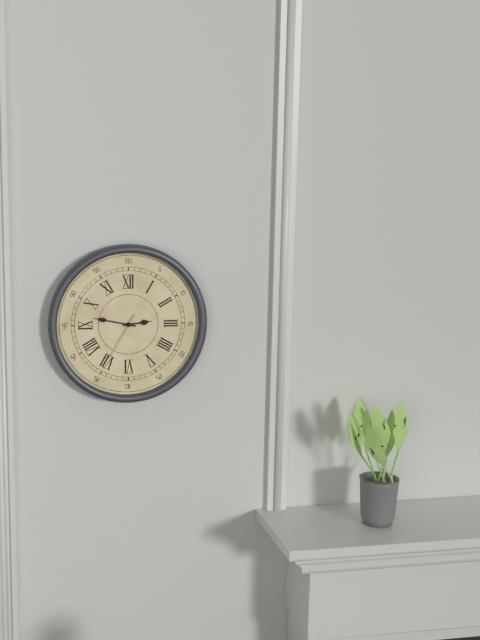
{"hour": 2, "minute": 47, "second": 35}
